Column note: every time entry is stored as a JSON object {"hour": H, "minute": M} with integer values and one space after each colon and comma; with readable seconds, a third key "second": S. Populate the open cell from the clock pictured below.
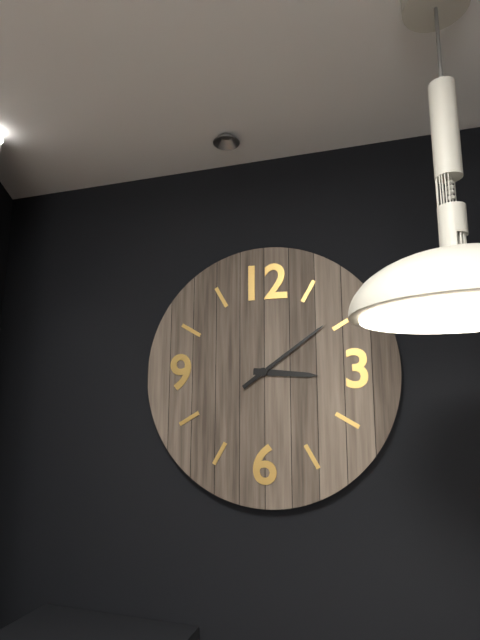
{"hour": 3, "minute": 9}
